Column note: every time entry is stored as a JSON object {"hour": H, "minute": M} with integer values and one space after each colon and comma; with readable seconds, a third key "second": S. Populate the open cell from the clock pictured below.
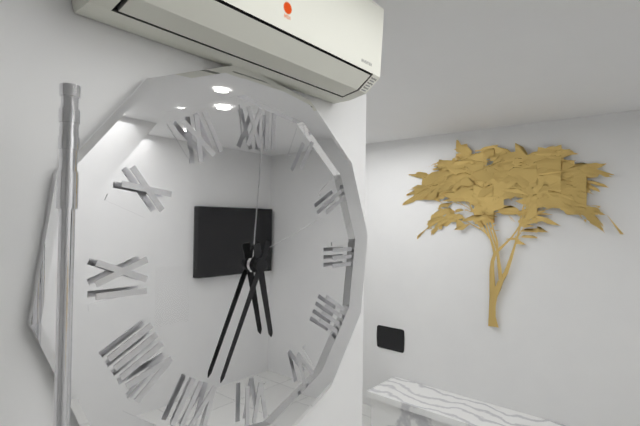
{"hour": 5, "minute": 34}
